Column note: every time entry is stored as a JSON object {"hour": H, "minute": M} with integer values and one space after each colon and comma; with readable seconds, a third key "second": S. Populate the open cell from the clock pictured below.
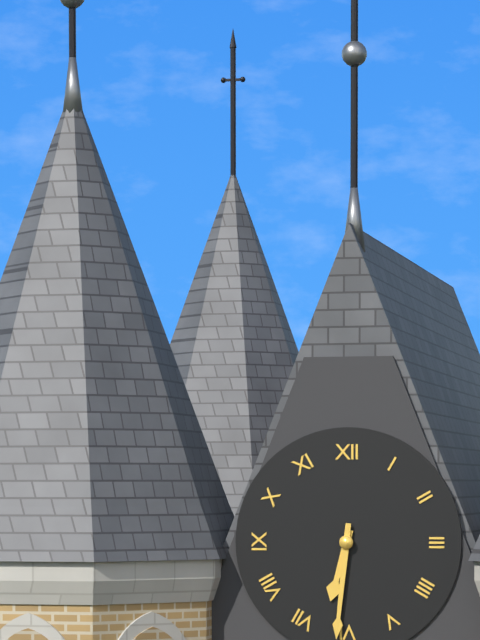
{"hour": 6, "minute": 31}
